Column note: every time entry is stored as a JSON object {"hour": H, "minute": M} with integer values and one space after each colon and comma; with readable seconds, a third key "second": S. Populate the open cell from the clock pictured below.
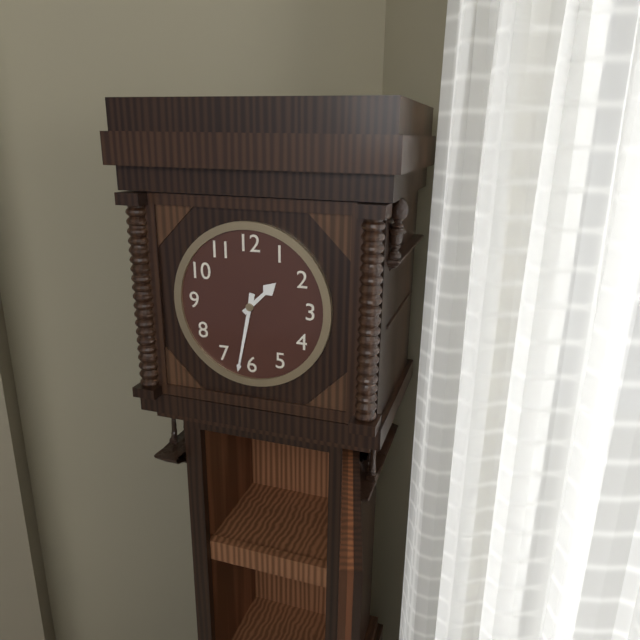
{"hour": 1, "minute": 32}
